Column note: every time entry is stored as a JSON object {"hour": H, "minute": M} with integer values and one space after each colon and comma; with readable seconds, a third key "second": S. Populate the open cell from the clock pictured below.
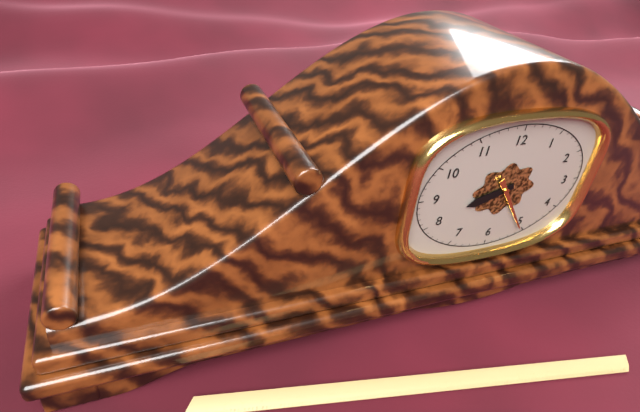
{"hour": 8, "minute": 24}
